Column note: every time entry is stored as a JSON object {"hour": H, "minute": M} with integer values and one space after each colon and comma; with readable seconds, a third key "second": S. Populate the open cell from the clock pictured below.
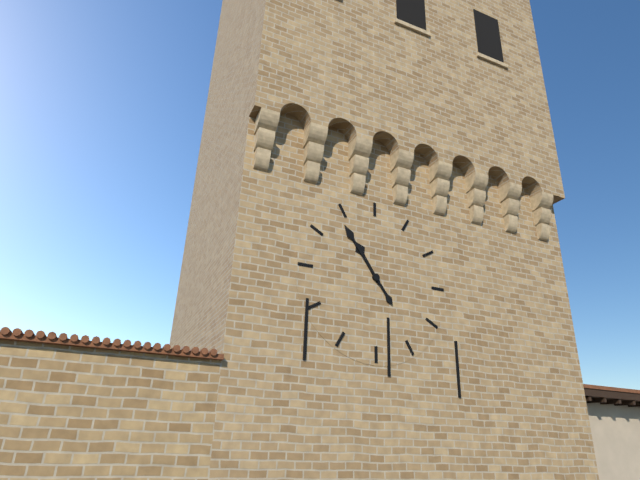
{"hour": 10, "minute": 54}
